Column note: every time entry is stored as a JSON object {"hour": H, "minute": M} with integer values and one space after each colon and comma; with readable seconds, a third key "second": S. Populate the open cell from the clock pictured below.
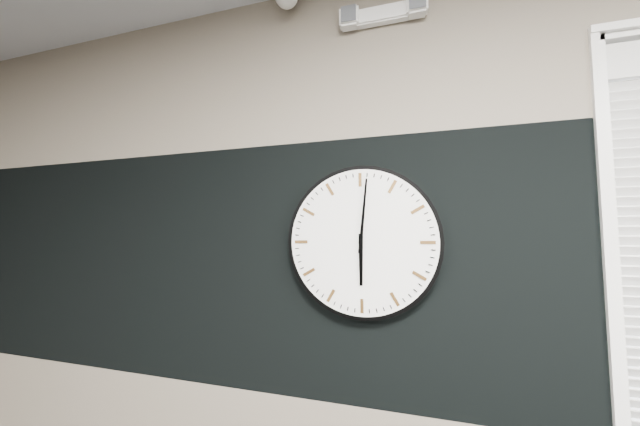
{"hour": 6, "minute": 1}
